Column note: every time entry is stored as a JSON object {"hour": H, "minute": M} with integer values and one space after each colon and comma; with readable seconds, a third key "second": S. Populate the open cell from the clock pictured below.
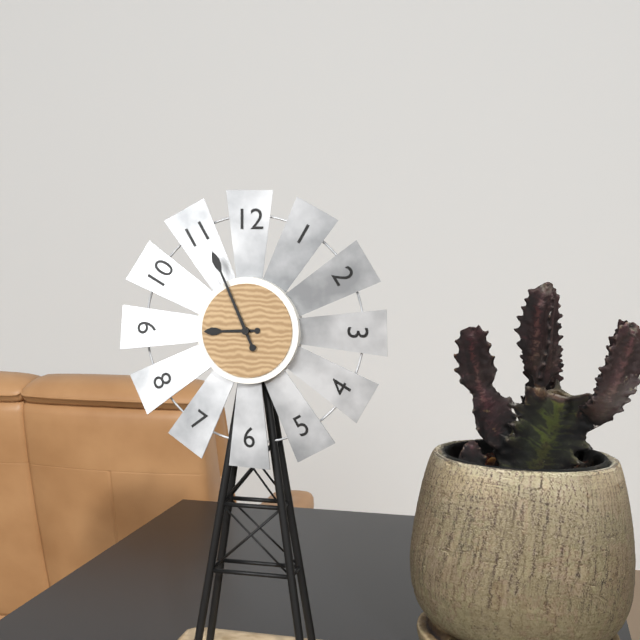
{"hour": 8, "minute": 56}
